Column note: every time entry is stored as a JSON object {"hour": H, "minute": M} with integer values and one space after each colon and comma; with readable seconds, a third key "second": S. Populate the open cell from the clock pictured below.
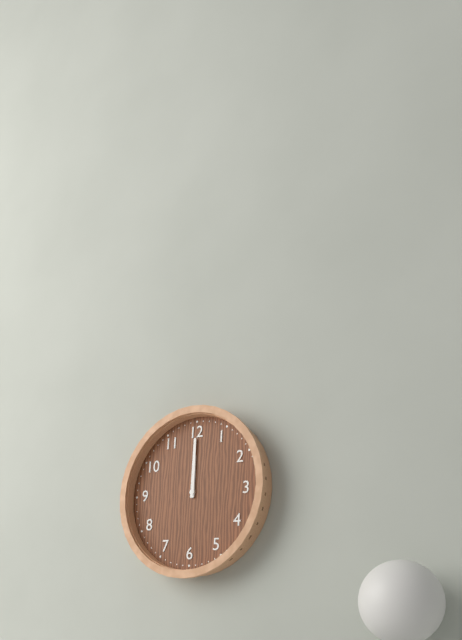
{"hour": 12, "minute": 0}
